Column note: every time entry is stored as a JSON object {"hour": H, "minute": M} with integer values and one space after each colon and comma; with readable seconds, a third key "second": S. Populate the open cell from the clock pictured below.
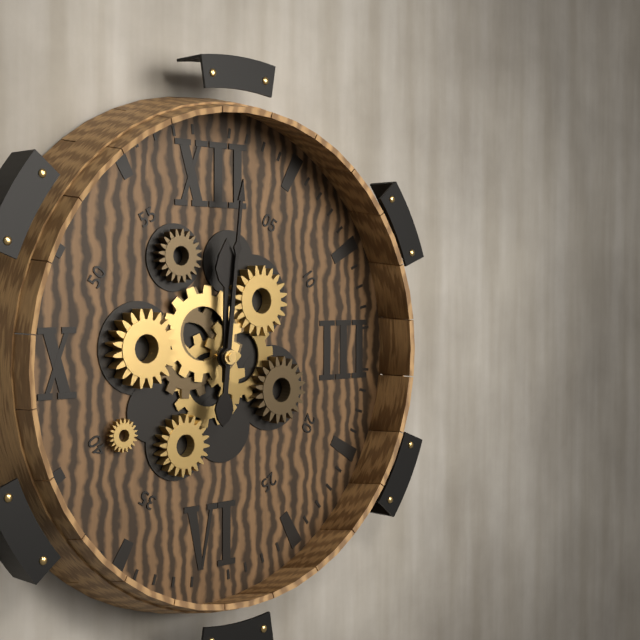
{"hour": 12, "minute": 1}
